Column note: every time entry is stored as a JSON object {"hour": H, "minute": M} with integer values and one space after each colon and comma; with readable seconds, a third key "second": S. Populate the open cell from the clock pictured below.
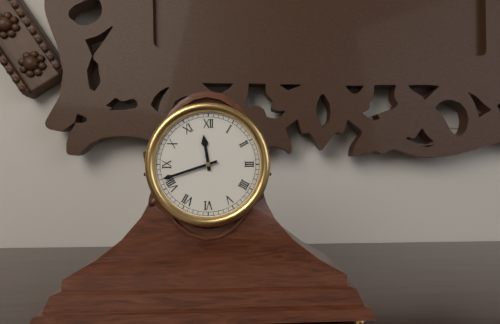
{"hour": 11, "minute": 42}
